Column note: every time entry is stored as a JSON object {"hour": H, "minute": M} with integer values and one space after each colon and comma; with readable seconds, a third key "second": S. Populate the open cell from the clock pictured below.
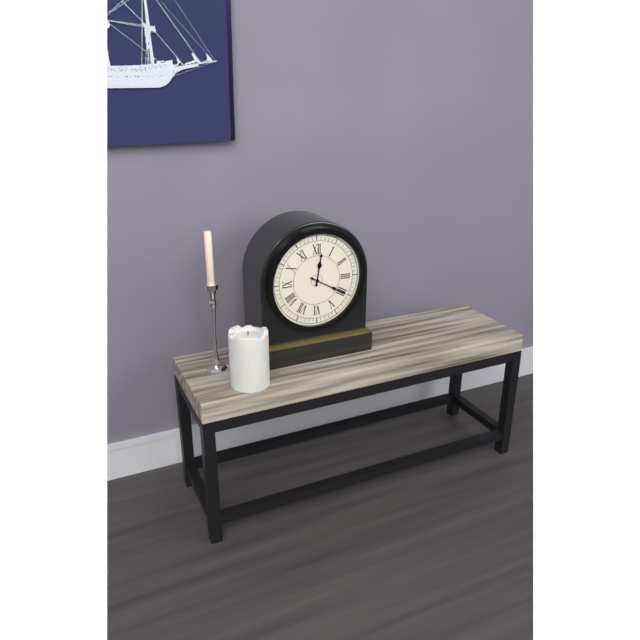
{"hour": 12, "minute": 20}
